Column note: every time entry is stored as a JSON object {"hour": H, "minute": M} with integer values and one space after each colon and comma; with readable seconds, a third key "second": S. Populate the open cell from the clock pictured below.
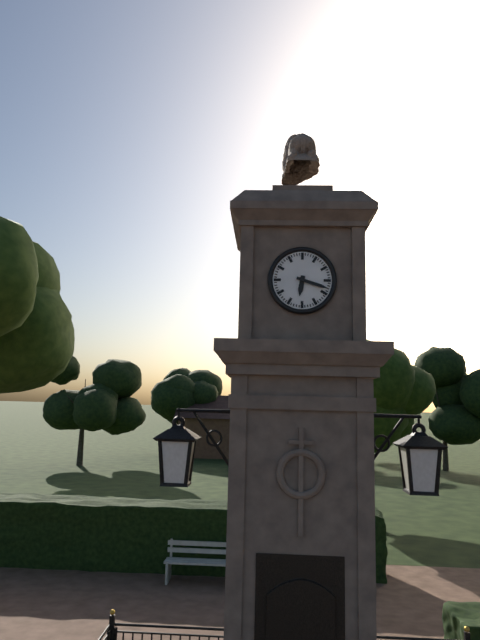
{"hour": 6, "minute": 18}
